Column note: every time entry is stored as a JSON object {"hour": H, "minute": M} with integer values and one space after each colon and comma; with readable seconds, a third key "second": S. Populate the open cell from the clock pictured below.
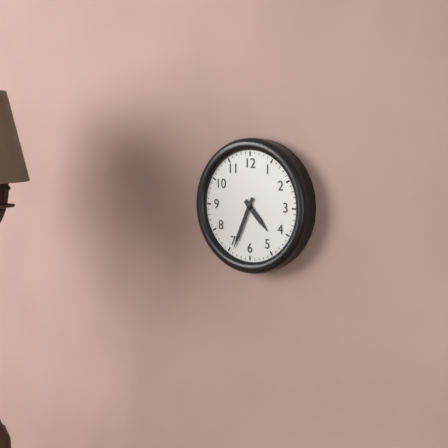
{"hour": 4, "minute": 34}
